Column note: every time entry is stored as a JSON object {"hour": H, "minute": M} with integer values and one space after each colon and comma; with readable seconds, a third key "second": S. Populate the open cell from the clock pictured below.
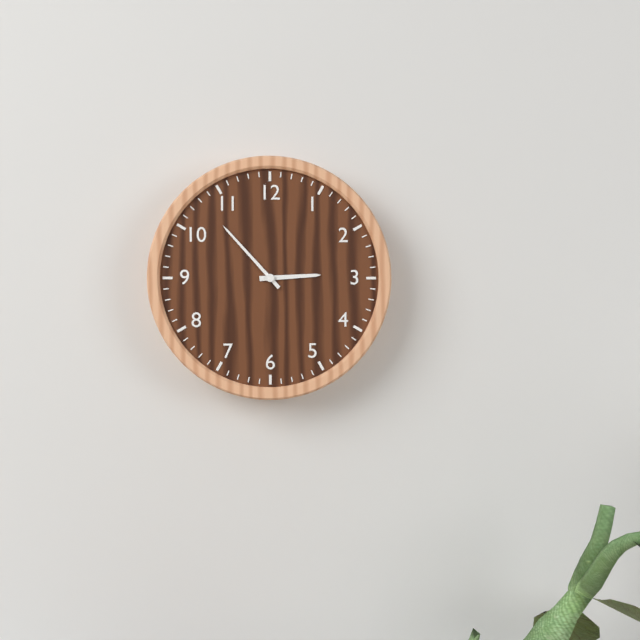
{"hour": 2, "minute": 53}
